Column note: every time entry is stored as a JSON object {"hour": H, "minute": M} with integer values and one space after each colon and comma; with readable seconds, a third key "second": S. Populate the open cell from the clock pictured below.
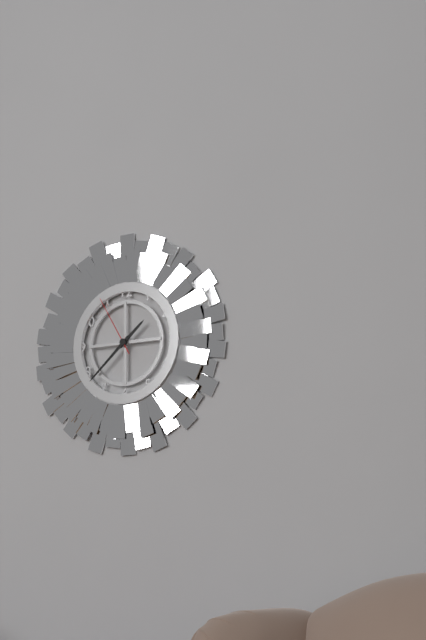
{"hour": 1, "minute": 38, "second": 55}
